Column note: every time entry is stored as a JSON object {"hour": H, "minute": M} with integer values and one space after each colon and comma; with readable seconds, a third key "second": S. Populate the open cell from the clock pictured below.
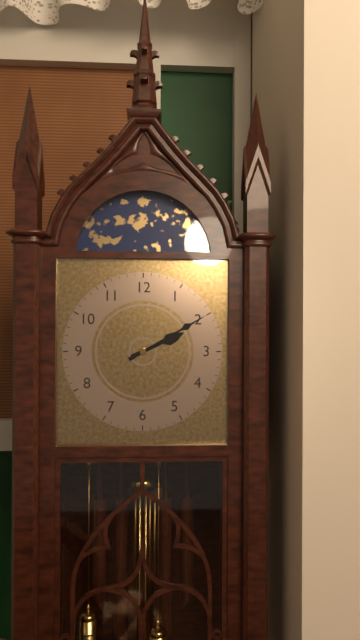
{"hour": 2, "minute": 10}
